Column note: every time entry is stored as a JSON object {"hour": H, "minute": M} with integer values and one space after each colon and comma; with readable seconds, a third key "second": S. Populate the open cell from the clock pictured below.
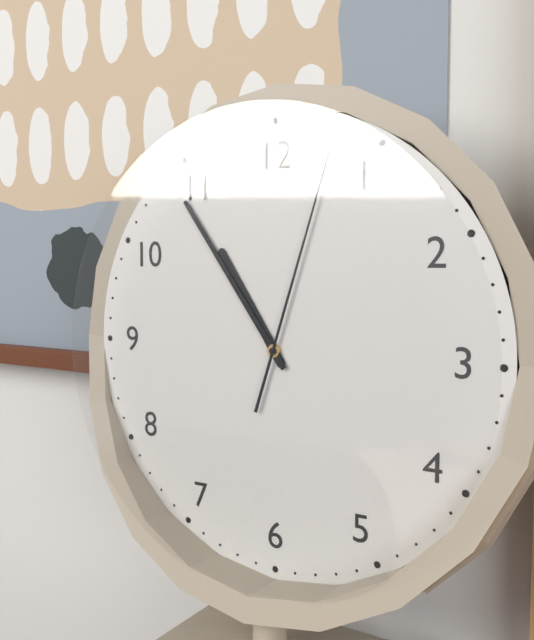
{"hour": 10, "minute": 54, "second": 3}
